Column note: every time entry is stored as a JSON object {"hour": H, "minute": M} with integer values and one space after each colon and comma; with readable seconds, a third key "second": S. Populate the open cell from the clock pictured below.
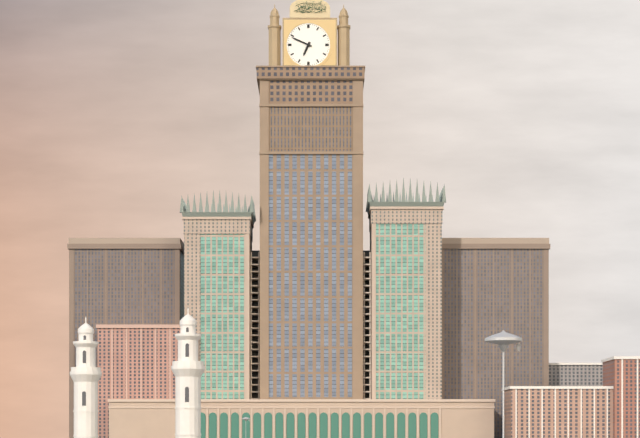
{"hour": 6, "minute": 49}
